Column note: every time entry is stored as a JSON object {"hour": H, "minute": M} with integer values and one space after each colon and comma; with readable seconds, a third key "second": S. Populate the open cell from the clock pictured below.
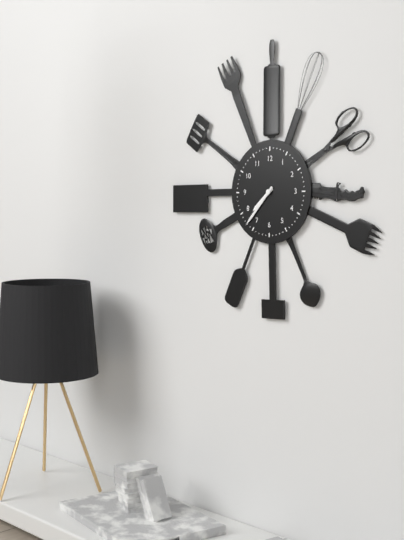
{"hour": 7, "minute": 37}
